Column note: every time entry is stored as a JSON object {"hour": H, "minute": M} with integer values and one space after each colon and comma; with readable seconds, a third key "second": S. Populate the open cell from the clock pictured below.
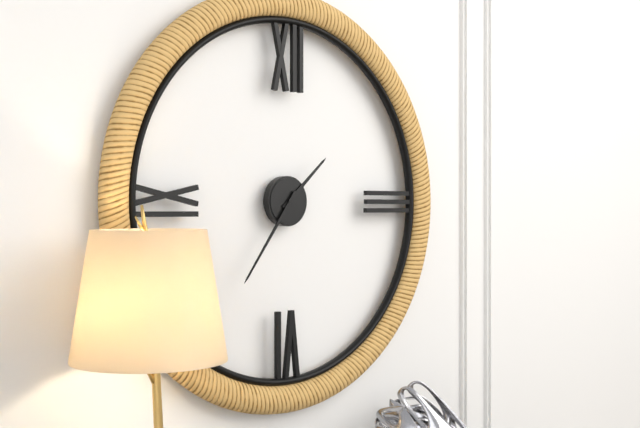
{"hour": 1, "minute": 36}
